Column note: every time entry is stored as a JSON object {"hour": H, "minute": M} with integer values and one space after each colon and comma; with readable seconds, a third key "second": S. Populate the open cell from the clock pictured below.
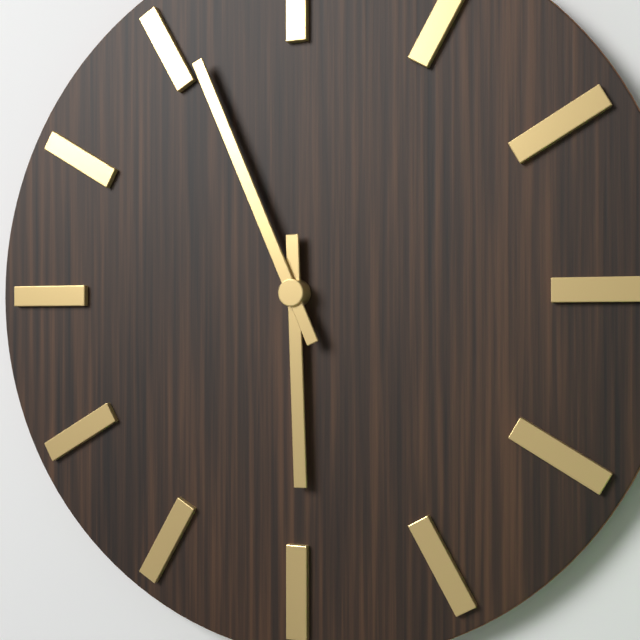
{"hour": 5, "minute": 56}
